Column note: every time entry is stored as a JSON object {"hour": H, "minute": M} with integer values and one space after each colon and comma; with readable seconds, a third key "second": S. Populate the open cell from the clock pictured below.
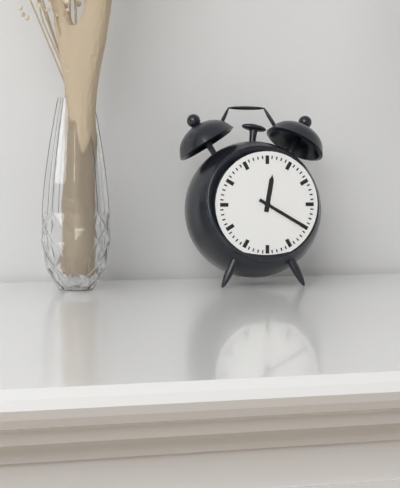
{"hour": 12, "minute": 20}
